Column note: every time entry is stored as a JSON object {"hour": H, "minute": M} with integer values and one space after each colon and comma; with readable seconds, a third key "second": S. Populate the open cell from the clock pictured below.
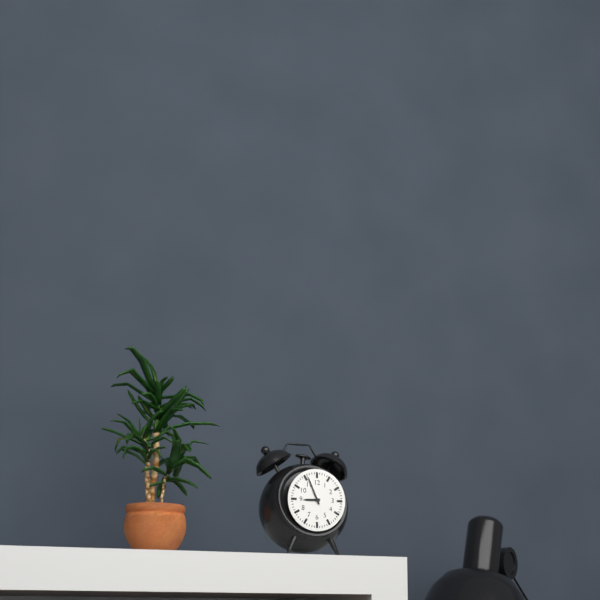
{"hour": 8, "minute": 56}
